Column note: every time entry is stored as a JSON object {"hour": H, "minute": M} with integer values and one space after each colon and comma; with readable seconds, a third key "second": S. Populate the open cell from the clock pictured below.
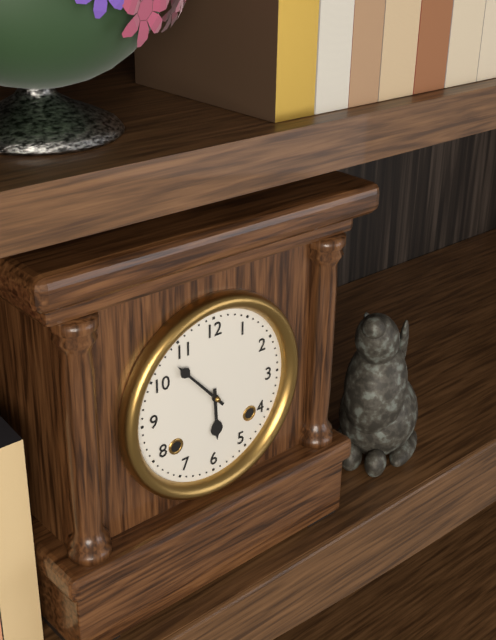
{"hour": 5, "minute": 53}
